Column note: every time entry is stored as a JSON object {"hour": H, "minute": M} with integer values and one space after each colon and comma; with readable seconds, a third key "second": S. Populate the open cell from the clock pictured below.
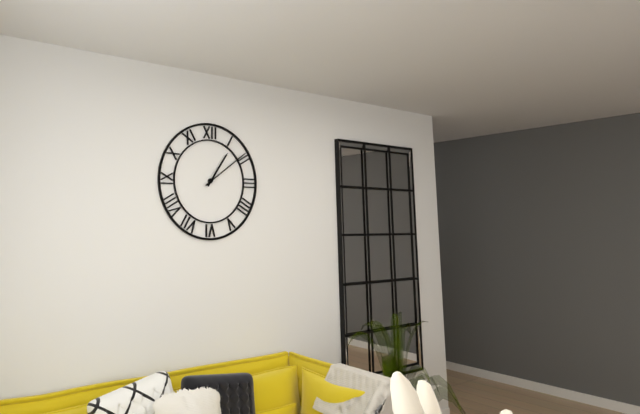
{"hour": 1, "minute": 9}
